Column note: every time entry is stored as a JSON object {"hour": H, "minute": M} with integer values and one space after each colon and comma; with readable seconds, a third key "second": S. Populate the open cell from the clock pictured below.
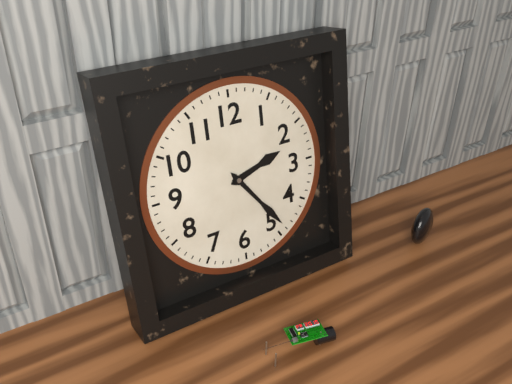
{"hour": 2, "minute": 24}
